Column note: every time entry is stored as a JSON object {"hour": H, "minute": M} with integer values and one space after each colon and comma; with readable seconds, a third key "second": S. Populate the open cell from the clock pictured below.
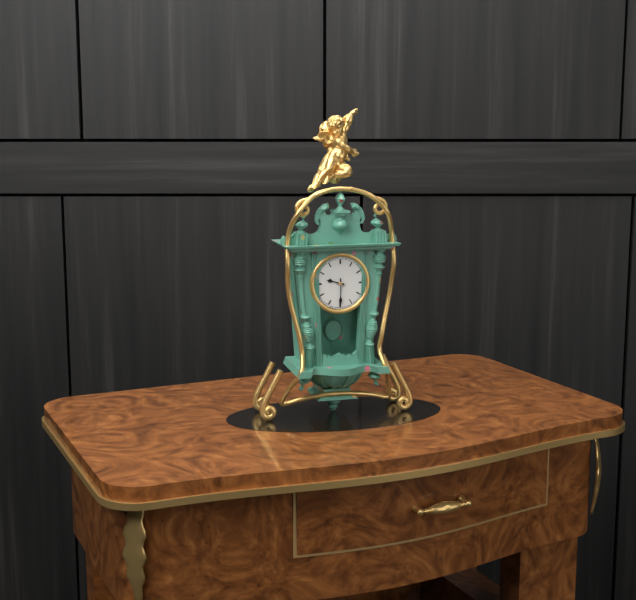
{"hour": 9, "minute": 30}
